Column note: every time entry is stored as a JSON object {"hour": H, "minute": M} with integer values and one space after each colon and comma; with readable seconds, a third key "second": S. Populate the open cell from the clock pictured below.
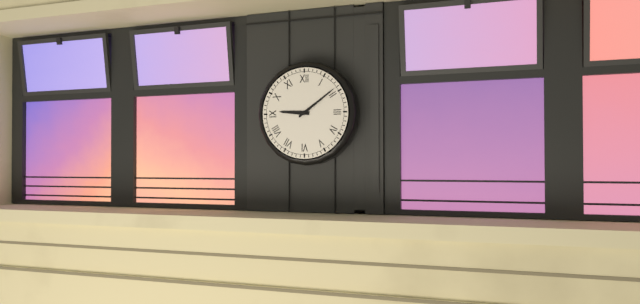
{"hour": 9, "minute": 9}
